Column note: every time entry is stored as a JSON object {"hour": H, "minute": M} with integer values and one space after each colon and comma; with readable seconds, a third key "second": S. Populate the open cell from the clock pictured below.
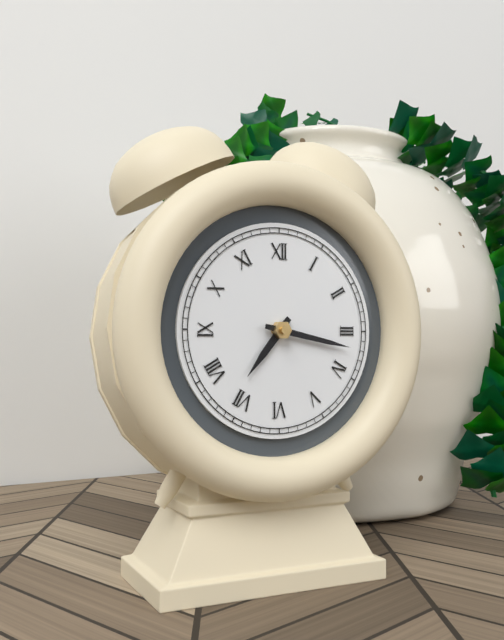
{"hour": 7, "minute": 17}
